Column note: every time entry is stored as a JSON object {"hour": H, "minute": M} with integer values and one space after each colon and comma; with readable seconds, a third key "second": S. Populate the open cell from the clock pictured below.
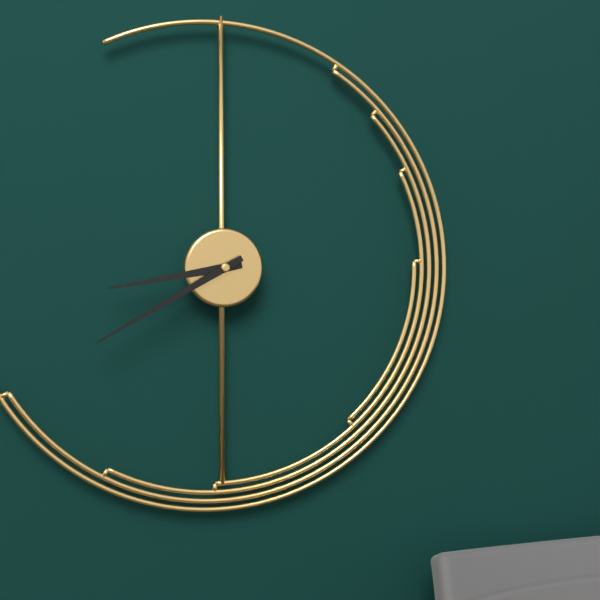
{"hour": 8, "minute": 40}
